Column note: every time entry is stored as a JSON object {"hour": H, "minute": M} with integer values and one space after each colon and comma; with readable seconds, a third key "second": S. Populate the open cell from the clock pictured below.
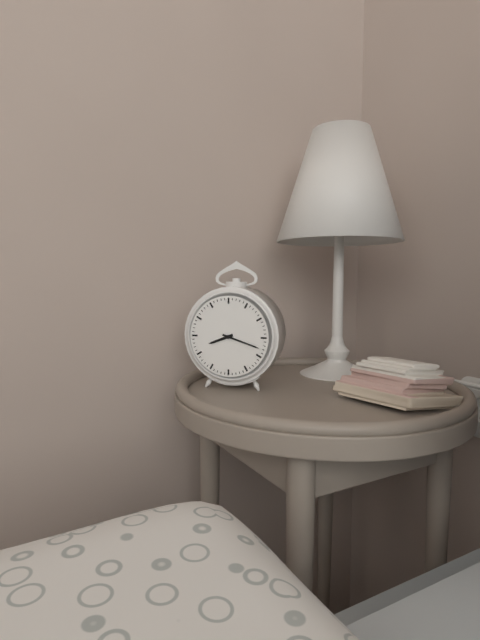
{"hour": 8, "minute": 18}
